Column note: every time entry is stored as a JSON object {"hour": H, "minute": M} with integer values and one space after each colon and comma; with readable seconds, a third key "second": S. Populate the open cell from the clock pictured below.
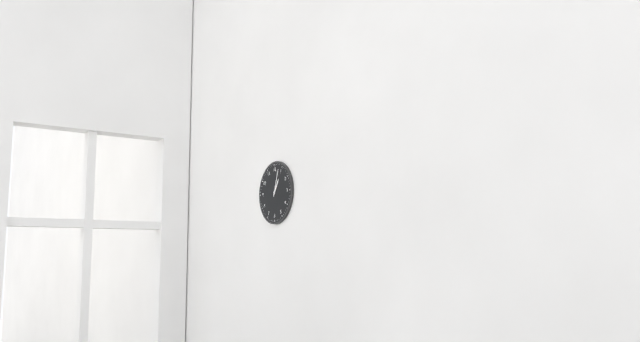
{"hour": 1, "minute": 3}
